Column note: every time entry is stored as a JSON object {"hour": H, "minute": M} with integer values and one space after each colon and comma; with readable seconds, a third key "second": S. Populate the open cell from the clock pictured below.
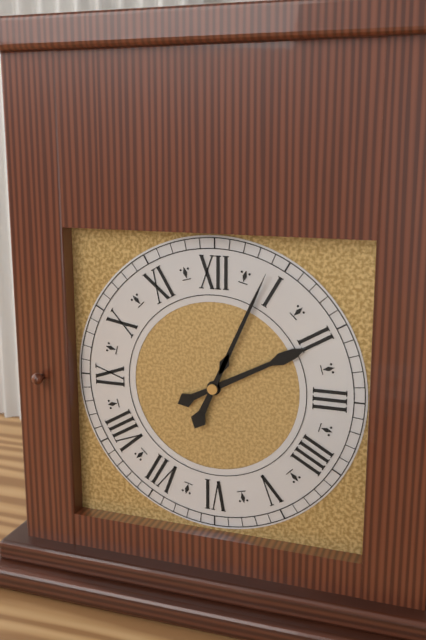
{"hour": 2, "minute": 4}
